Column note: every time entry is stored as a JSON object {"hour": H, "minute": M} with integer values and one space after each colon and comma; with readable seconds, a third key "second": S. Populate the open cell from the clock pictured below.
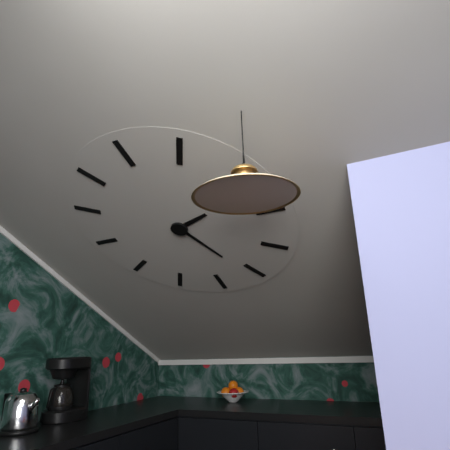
{"hour": 2, "minute": 26}
